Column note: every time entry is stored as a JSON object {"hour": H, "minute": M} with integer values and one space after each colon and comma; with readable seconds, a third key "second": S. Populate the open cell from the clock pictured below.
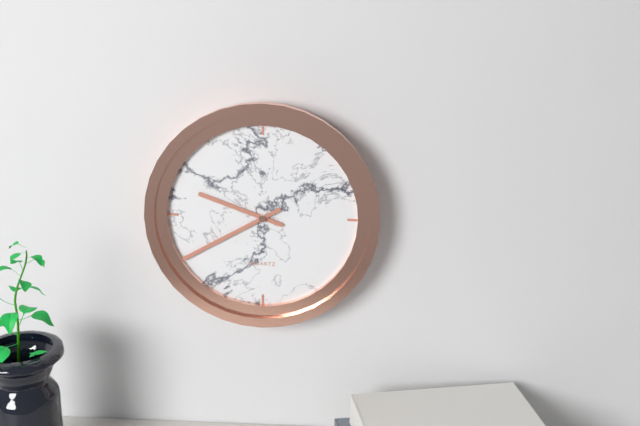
{"hour": 9, "minute": 40}
